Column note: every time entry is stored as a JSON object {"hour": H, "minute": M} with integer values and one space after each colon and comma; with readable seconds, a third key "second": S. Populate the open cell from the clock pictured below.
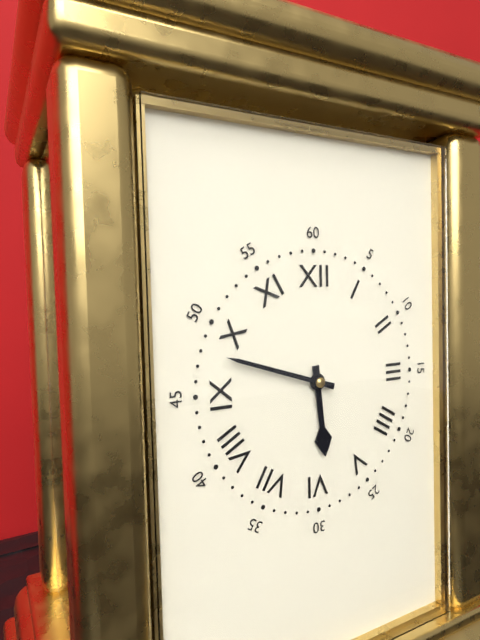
{"hour": 5, "minute": 48}
